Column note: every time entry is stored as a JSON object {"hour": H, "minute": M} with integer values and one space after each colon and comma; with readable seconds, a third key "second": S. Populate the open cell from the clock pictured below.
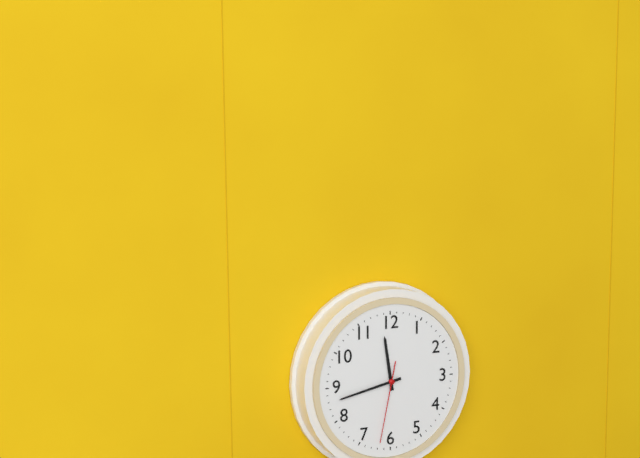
{"hour": 11, "minute": 43, "second": 32}
